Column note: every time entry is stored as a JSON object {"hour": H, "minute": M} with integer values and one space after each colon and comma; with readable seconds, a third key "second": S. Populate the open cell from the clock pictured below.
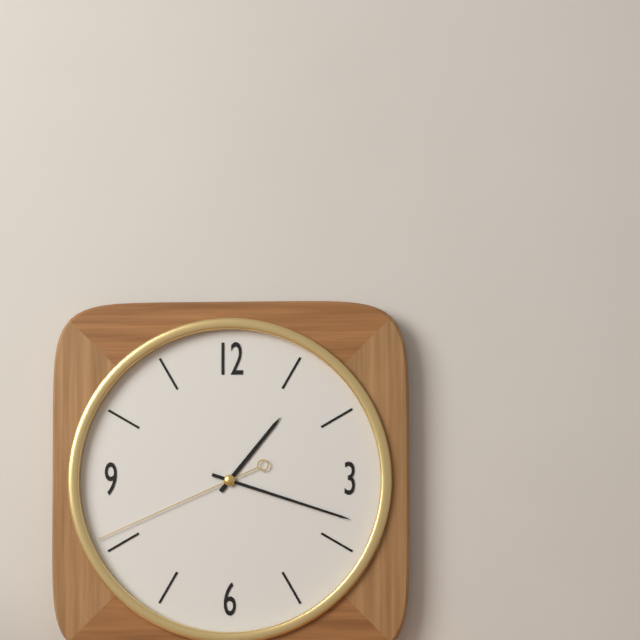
{"hour": 1, "minute": 18, "second": 41}
